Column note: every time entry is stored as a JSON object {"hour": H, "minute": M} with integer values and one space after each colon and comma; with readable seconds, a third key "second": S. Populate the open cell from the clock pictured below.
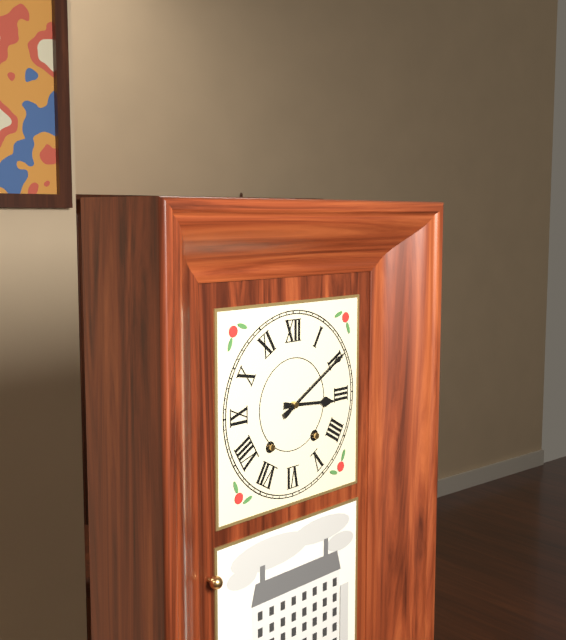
{"hour": 3, "minute": 10}
